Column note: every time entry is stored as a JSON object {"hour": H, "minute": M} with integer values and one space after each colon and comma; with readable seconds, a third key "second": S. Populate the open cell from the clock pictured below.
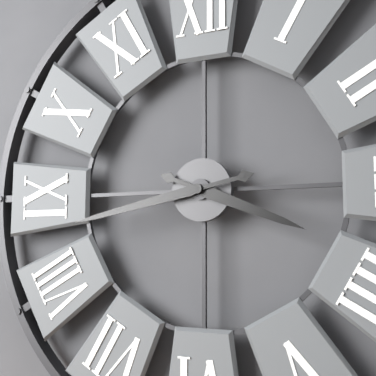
{"hour": 3, "minute": 43}
